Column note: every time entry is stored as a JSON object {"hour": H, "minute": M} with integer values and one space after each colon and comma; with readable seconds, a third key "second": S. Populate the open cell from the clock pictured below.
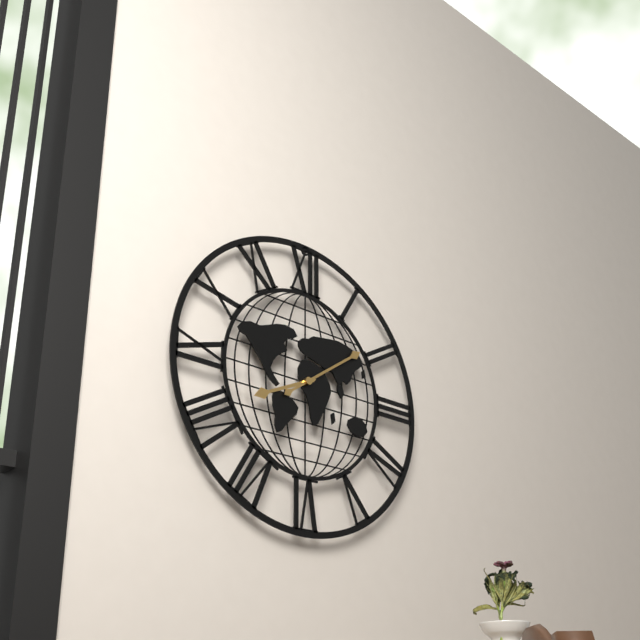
{"hour": 8, "minute": 9}
